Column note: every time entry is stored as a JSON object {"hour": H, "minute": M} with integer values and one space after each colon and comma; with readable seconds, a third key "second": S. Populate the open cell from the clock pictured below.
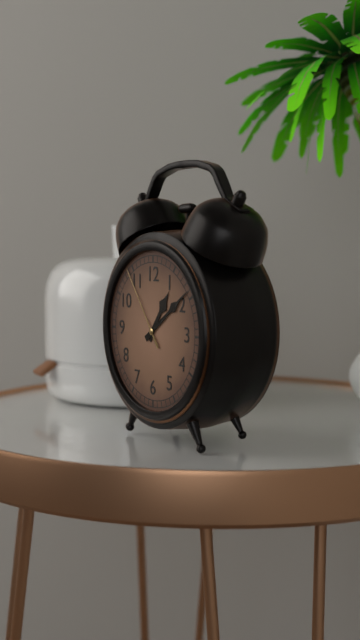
{"hour": 1, "minute": 9, "second": 54}
